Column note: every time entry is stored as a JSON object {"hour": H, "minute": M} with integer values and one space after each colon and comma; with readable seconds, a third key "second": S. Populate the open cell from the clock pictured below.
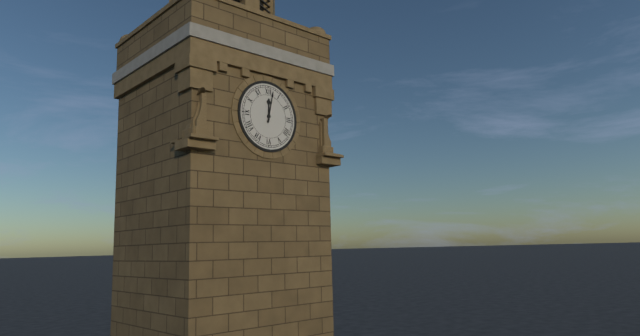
{"hour": 12, "minute": 2}
